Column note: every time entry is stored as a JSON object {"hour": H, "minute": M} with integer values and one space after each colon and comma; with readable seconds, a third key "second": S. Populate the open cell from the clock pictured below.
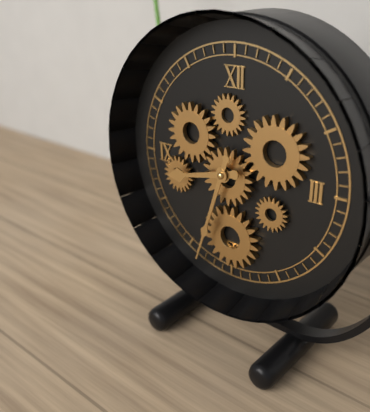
{"hour": 8, "minute": 33}
